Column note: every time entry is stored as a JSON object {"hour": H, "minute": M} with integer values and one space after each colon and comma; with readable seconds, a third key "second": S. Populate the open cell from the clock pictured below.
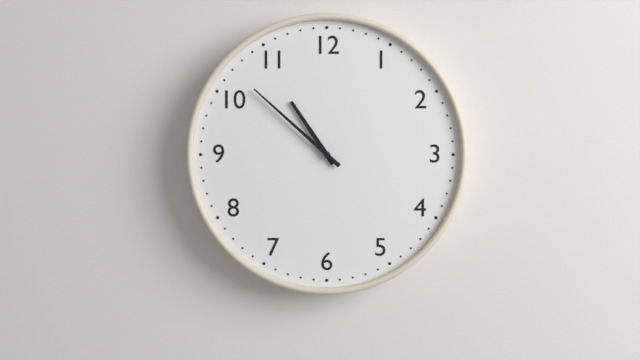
{"hour": 10, "minute": 52}
